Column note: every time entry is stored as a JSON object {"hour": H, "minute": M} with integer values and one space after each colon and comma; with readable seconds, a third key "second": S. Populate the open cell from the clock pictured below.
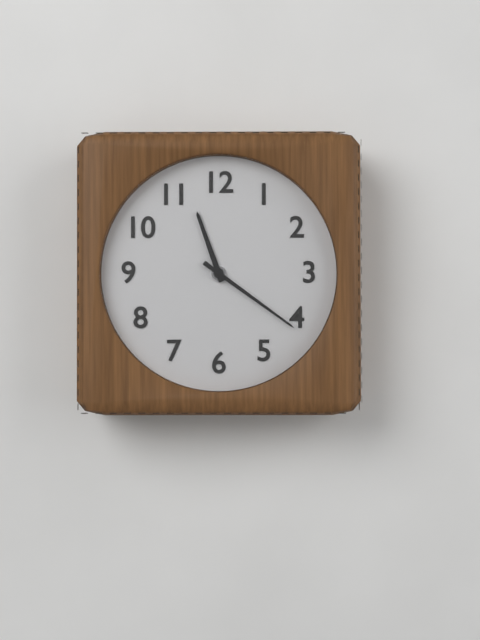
{"hour": 11, "minute": 21}
